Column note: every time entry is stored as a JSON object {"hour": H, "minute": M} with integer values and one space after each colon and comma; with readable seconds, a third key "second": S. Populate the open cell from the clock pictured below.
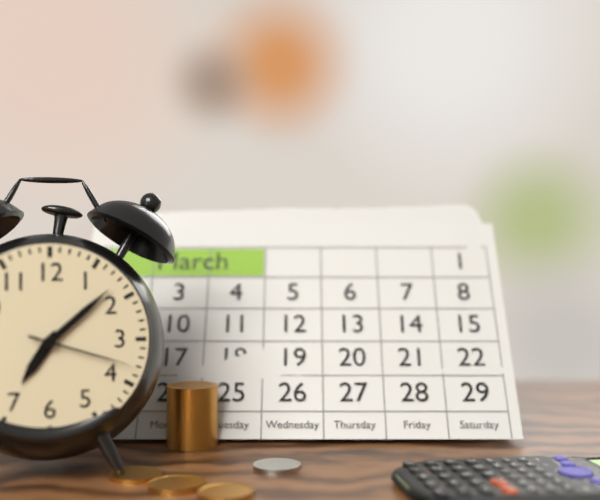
{"hour": 7, "minute": 8, "second": 18}
